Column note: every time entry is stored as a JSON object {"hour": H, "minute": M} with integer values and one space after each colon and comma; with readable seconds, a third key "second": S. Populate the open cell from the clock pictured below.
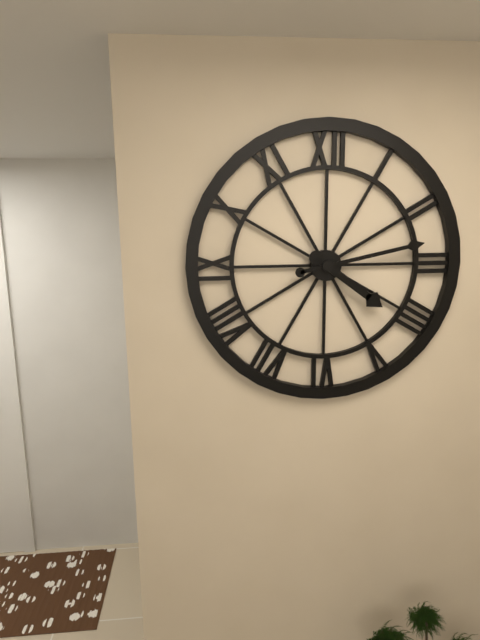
{"hour": 4, "minute": 13}
